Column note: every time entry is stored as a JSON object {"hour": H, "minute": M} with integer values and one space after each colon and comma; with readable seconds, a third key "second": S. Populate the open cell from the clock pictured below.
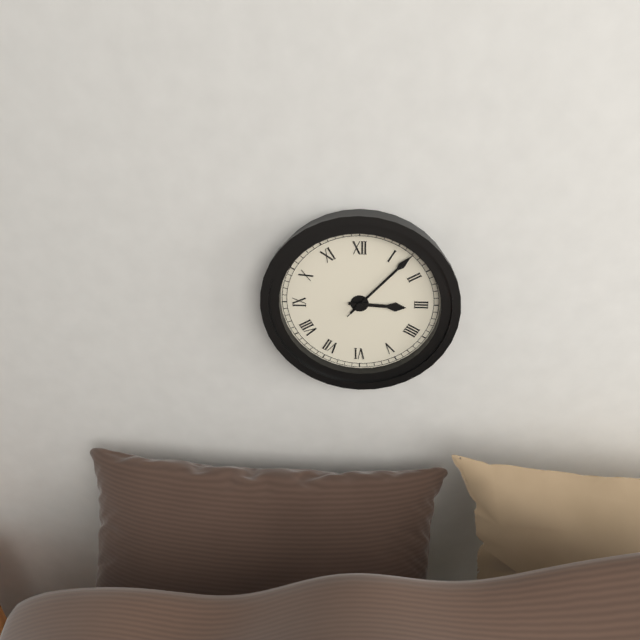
{"hour": 3, "minute": 7, "second": 7}
